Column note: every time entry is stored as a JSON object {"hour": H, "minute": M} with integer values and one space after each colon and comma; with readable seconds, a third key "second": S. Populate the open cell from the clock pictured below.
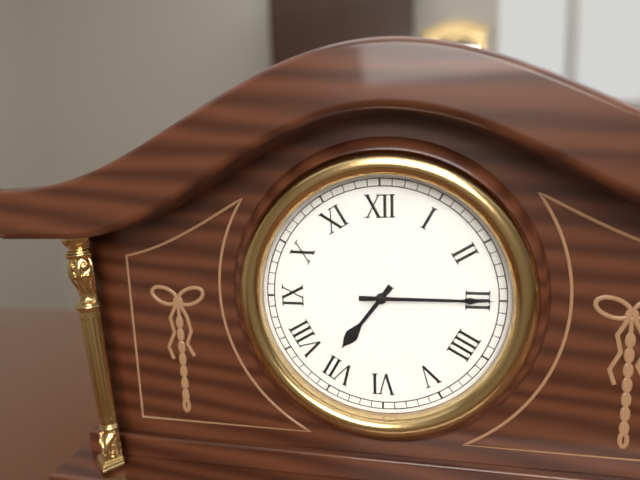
{"hour": 7, "minute": 15}
